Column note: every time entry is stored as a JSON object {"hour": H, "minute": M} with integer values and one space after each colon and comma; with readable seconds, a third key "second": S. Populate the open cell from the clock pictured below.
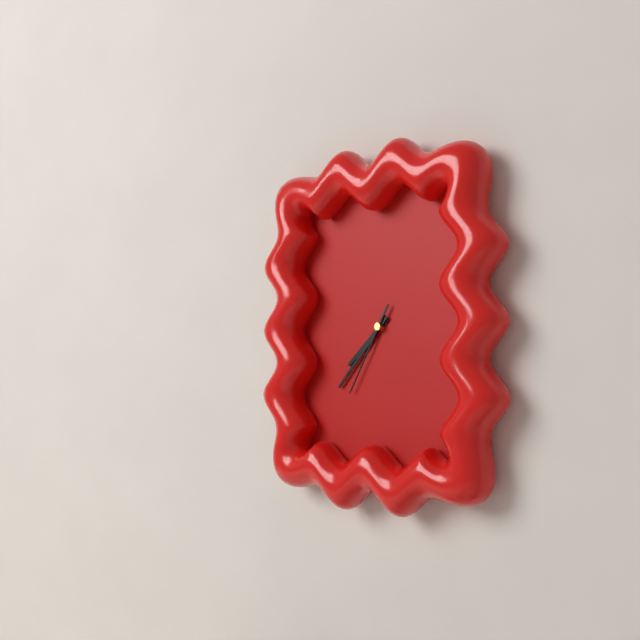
{"hour": 7, "minute": 37, "second": 35}
